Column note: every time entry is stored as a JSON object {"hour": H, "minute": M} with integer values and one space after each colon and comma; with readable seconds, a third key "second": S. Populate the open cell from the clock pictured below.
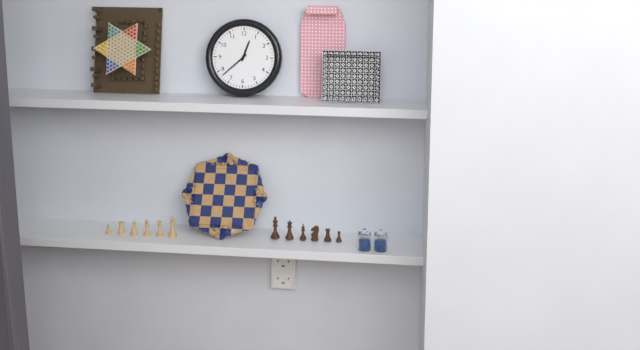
{"hour": 12, "minute": 38}
